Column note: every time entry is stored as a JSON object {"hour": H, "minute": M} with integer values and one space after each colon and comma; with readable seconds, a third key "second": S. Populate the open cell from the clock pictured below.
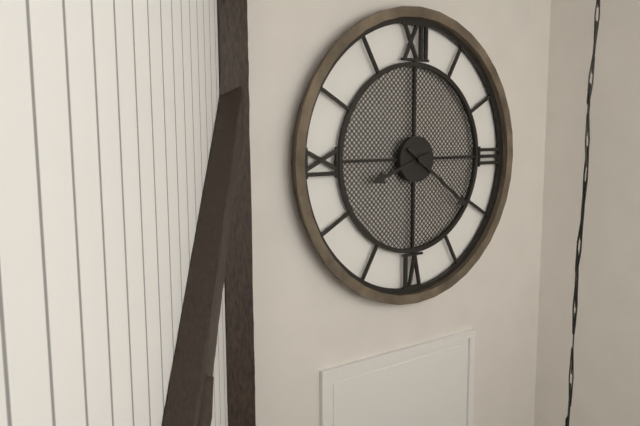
{"hour": 8, "minute": 21}
